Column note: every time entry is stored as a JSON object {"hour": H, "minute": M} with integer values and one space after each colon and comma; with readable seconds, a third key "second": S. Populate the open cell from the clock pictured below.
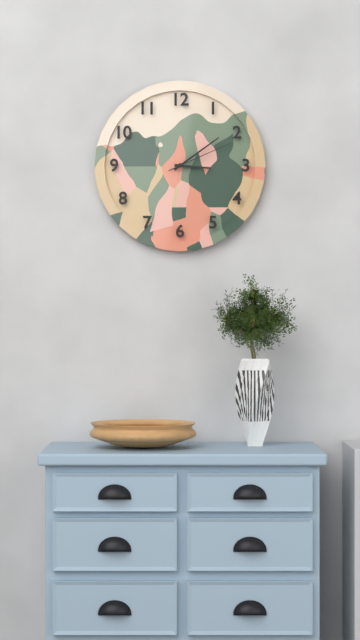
{"hour": 3, "minute": 9, "second": 11}
